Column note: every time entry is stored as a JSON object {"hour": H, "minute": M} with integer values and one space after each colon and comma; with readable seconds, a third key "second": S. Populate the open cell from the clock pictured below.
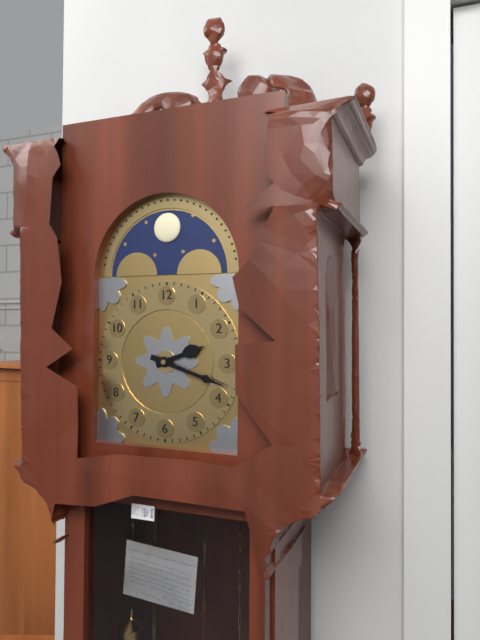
{"hour": 2, "minute": 18}
